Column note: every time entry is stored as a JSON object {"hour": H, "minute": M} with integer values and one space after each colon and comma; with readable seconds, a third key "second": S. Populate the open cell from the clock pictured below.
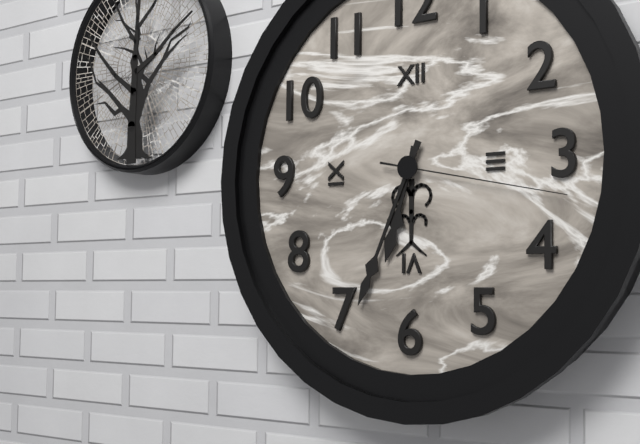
{"hour": 6, "minute": 34, "second": 17}
